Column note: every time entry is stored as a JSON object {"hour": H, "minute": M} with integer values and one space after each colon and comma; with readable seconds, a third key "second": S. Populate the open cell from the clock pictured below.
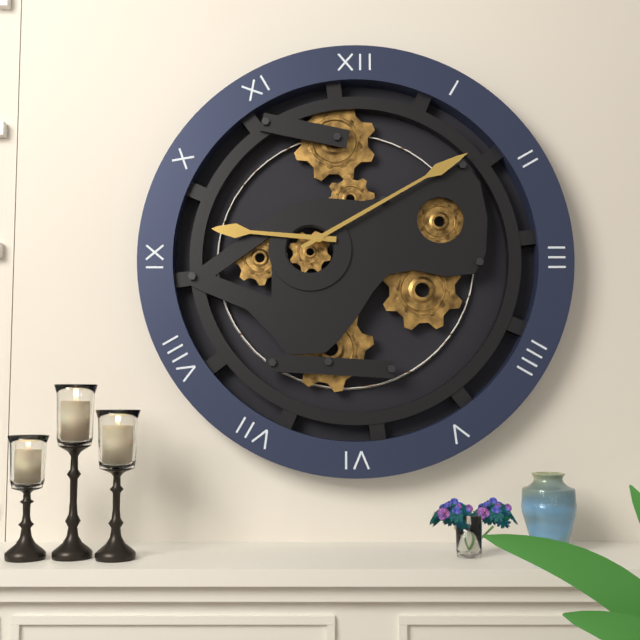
{"hour": 9, "minute": 10}
